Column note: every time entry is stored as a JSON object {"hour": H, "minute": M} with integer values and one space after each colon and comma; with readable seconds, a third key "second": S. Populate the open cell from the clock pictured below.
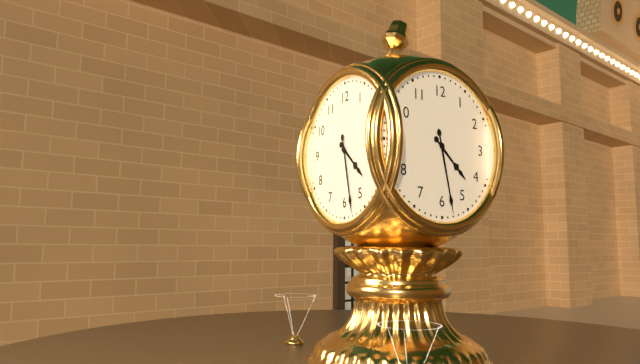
{"hour": 4, "minute": 28}
